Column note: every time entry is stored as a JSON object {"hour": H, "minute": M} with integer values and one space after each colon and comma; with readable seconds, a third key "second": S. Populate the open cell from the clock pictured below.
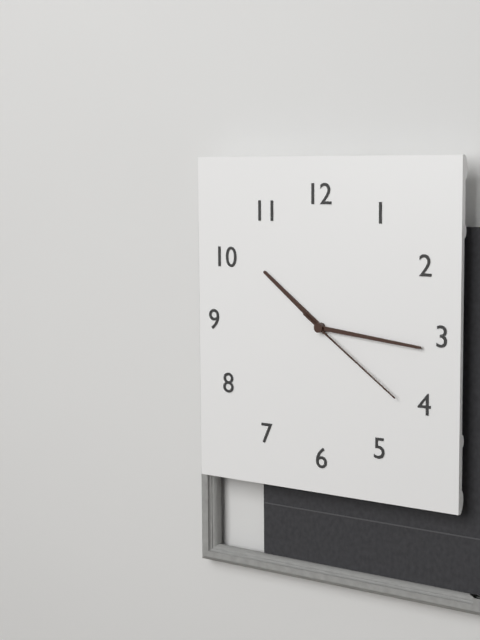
{"hour": 10, "minute": 16, "second": 21}
